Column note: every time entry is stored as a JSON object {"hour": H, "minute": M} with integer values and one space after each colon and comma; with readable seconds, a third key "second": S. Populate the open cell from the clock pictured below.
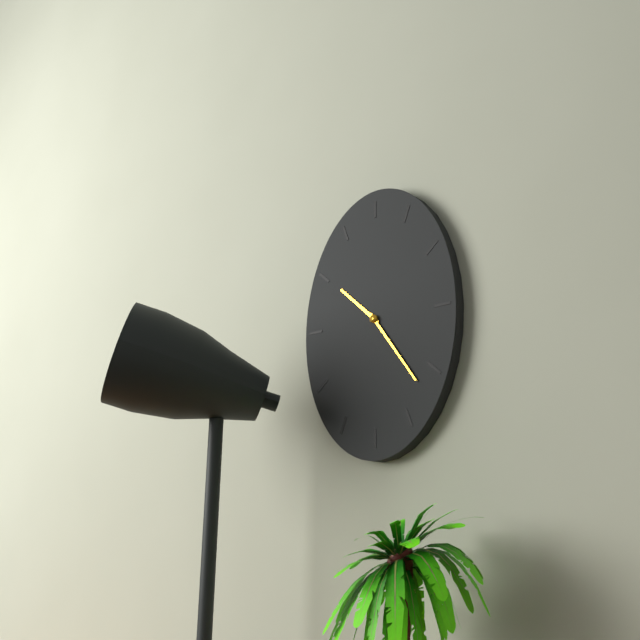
{"hour": 10, "minute": 24}
